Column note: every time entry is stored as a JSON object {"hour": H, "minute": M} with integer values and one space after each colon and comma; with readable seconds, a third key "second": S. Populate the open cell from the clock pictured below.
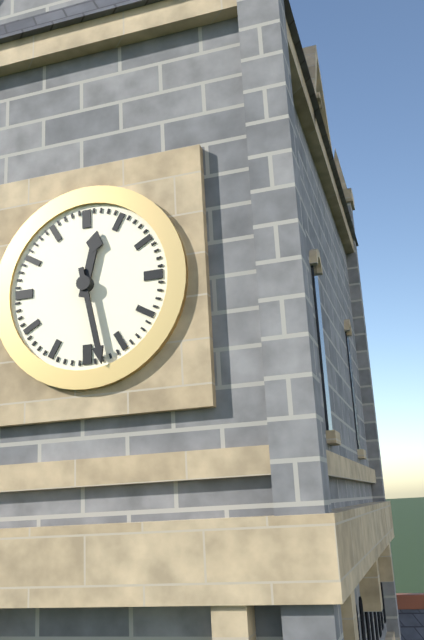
{"hour": 12, "minute": 28}
